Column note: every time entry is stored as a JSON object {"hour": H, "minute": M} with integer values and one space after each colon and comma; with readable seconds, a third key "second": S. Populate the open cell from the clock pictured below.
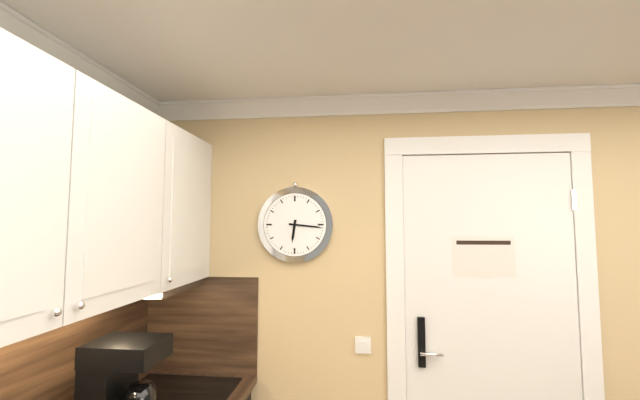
{"hour": 6, "minute": 16}
